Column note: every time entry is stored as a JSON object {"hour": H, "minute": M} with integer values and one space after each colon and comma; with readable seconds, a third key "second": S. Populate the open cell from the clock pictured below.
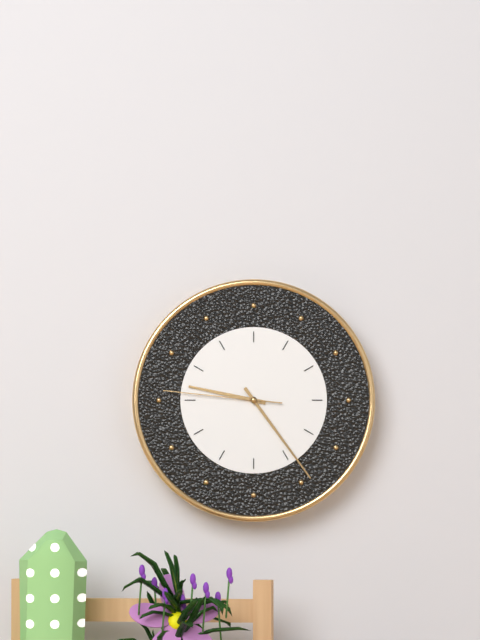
{"hour": 9, "minute": 24, "second": 46}
